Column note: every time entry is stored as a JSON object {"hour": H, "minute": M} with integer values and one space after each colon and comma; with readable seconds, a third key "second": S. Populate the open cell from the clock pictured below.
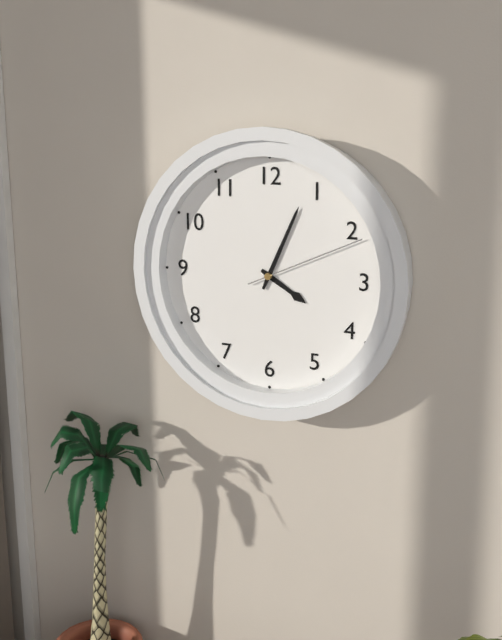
{"hour": 4, "minute": 4, "second": 11}
